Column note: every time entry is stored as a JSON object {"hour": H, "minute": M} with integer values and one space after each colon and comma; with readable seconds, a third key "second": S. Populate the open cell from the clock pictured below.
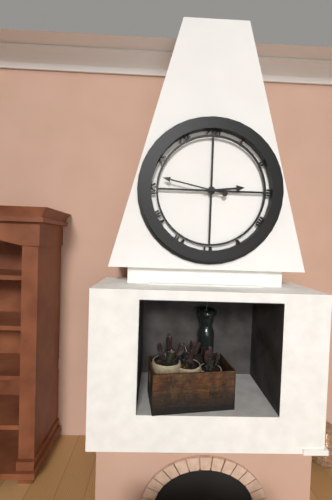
{"hour": 2, "minute": 47}
